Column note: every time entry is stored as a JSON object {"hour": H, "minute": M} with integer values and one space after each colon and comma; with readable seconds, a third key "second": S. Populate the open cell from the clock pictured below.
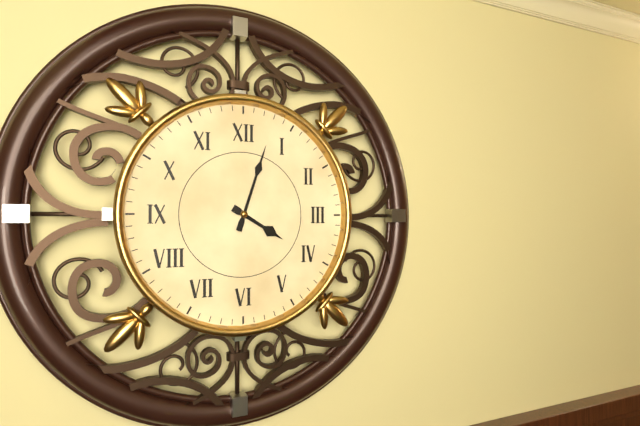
{"hour": 4, "minute": 3}
